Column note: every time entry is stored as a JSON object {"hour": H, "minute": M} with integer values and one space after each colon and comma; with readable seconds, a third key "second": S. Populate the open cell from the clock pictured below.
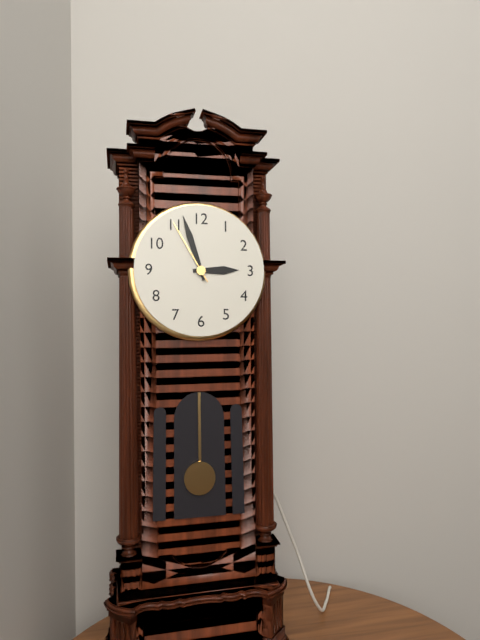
{"hour": 2, "minute": 57, "second": 55}
